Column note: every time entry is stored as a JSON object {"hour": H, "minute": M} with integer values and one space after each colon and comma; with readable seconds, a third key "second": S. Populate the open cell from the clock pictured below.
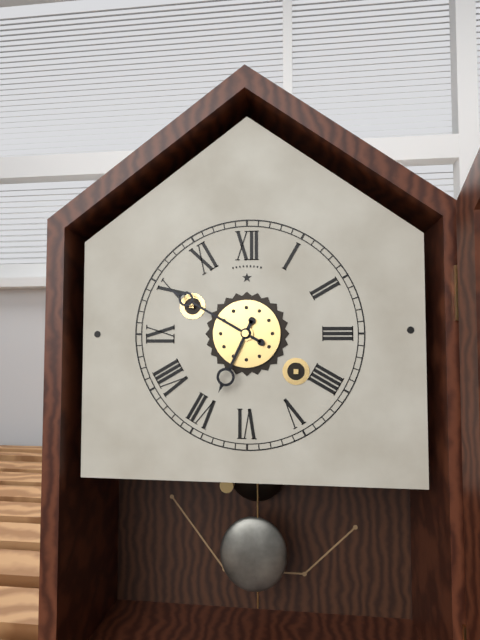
{"hour": 6, "minute": 50}
